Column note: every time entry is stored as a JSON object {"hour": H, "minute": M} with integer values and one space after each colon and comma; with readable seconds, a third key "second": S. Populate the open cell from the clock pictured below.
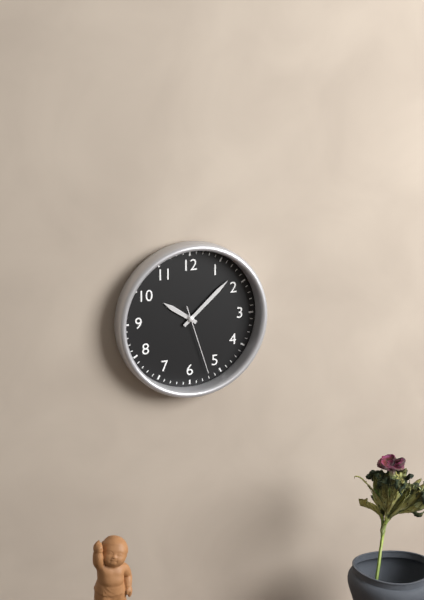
{"hour": 10, "minute": 8, "second": 27}
